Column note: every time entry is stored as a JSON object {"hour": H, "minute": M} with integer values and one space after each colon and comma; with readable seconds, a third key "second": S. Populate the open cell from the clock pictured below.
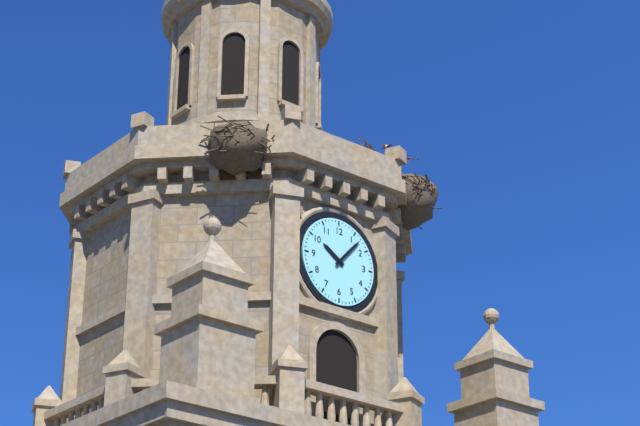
{"hour": 10, "minute": 7}
